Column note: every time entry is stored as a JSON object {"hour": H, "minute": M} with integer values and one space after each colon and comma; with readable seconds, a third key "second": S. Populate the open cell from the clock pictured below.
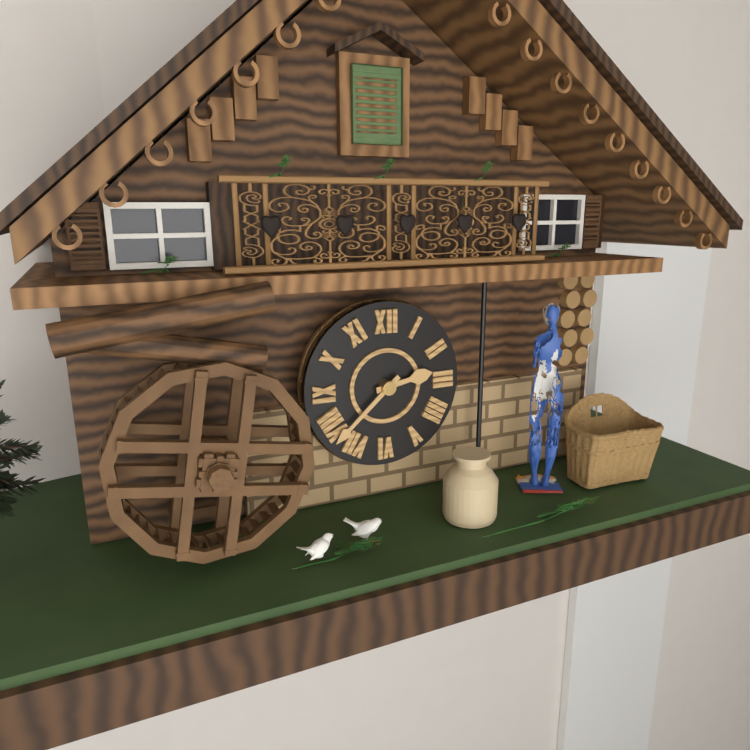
{"hour": 2, "minute": 38}
